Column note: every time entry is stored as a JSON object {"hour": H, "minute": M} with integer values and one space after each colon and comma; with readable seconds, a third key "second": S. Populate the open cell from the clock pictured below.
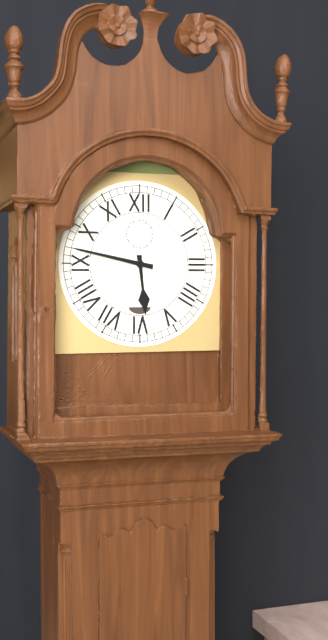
{"hour": 5, "minute": 47}
